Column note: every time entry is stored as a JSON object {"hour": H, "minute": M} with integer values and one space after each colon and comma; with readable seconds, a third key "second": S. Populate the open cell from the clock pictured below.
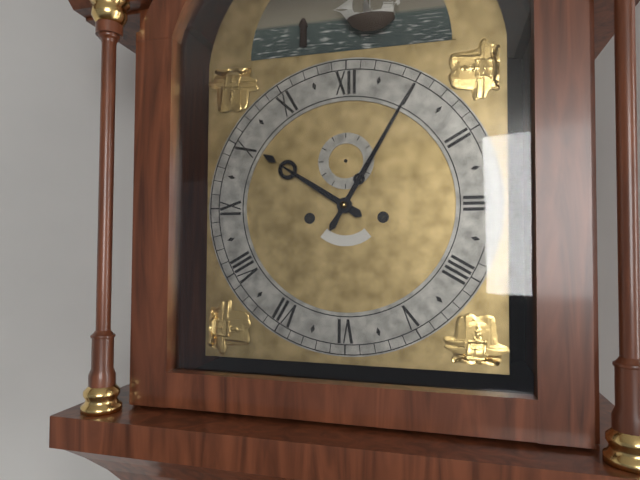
{"hour": 10, "minute": 5}
